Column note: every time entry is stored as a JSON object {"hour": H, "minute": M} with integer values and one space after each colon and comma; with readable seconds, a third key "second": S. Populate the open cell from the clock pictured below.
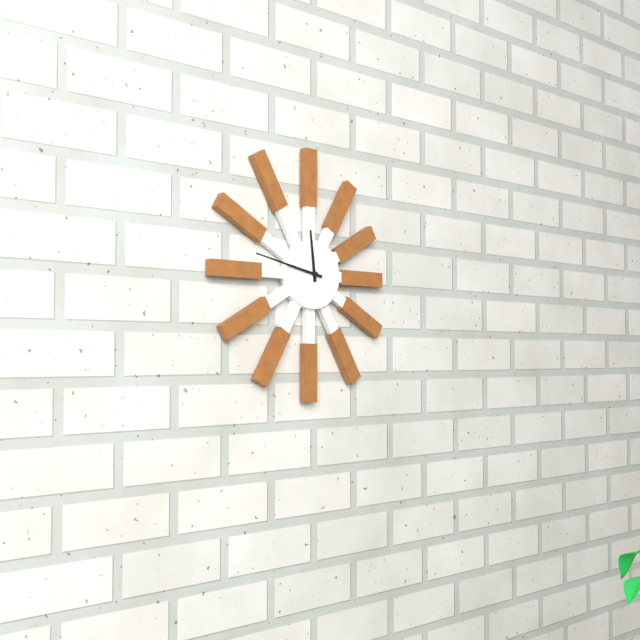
{"hour": 11, "minute": 47}
